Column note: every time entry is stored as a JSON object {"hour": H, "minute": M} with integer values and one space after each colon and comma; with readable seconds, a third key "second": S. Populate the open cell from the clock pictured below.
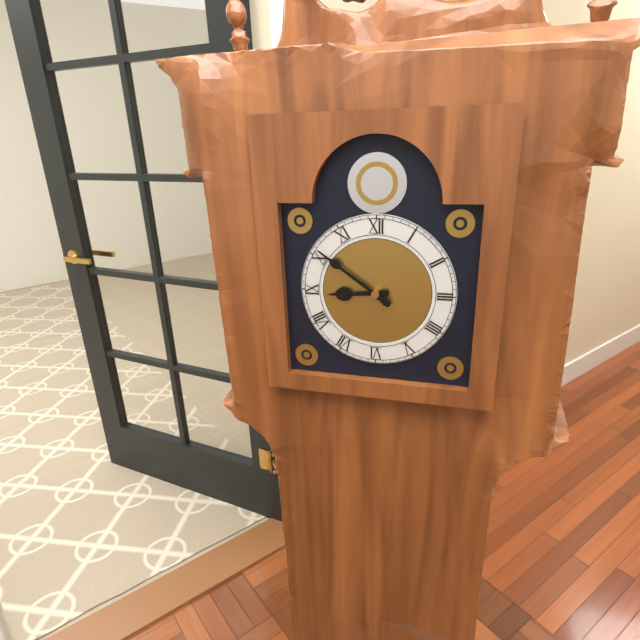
{"hour": 8, "minute": 51}
